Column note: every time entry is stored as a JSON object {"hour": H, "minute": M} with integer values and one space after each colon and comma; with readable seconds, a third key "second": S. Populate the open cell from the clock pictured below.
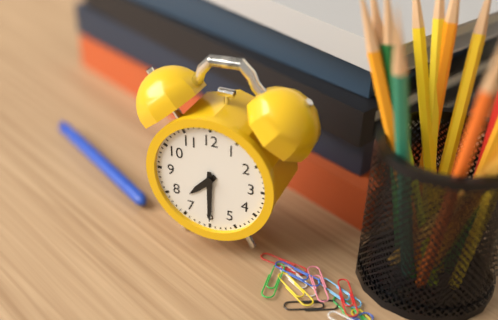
{"hour": 7, "minute": 30}
